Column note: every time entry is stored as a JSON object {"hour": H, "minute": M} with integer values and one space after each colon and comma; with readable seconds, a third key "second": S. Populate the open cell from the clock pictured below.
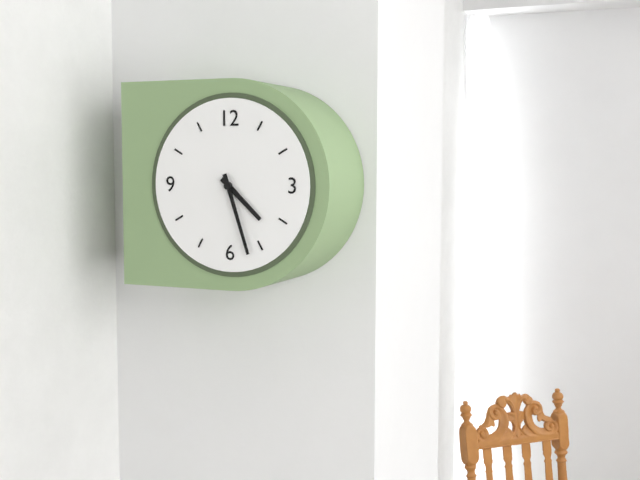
{"hour": 4, "minute": 27}
